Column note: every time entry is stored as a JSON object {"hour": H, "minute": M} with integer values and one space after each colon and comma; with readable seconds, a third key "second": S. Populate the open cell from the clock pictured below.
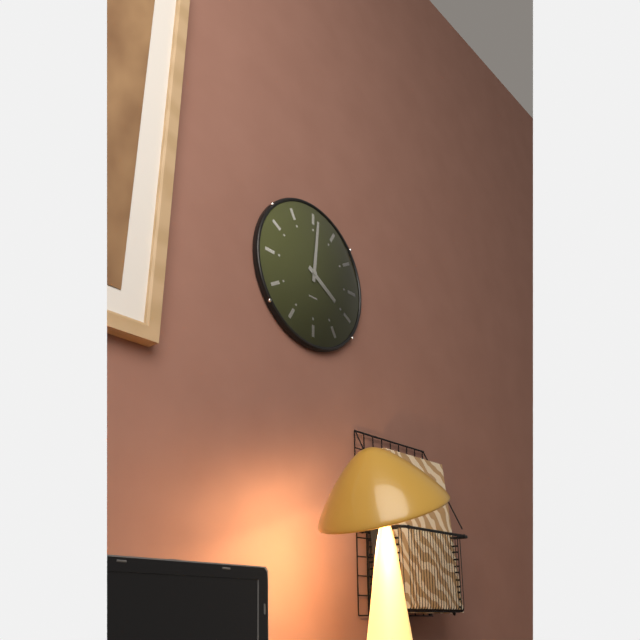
{"hour": 4, "minute": 1}
